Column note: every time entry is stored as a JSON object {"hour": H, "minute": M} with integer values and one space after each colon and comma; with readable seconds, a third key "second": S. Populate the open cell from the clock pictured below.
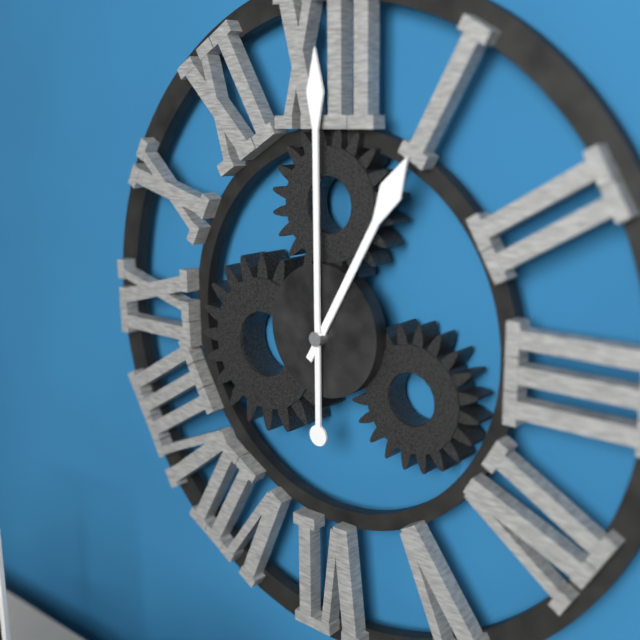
{"hour": 1, "minute": 0}
